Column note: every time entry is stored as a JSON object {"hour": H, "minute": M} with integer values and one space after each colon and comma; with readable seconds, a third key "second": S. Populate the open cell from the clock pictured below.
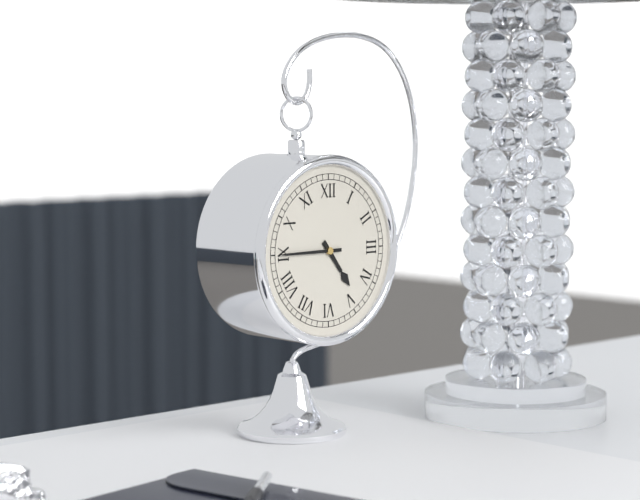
{"hour": 4, "minute": 45}
